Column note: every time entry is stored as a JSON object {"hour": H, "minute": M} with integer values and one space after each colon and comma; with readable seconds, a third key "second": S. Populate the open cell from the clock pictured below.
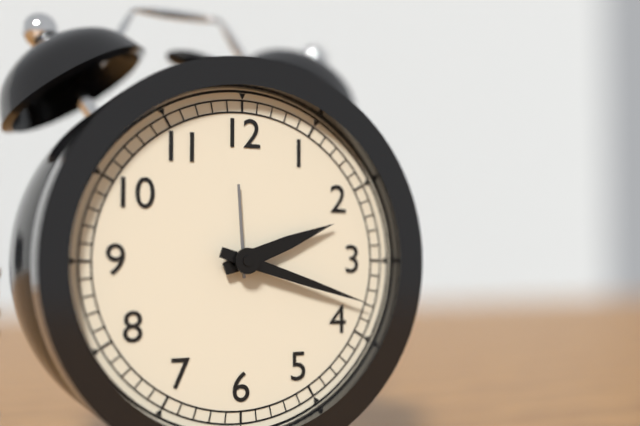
{"hour": 2, "minute": 18}
